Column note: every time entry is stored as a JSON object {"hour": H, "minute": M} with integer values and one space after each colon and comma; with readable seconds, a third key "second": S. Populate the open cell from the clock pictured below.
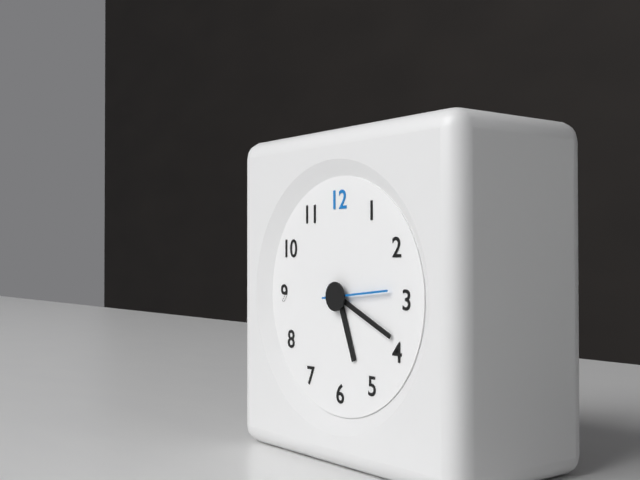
{"hour": 5, "minute": 19, "second": 14}
